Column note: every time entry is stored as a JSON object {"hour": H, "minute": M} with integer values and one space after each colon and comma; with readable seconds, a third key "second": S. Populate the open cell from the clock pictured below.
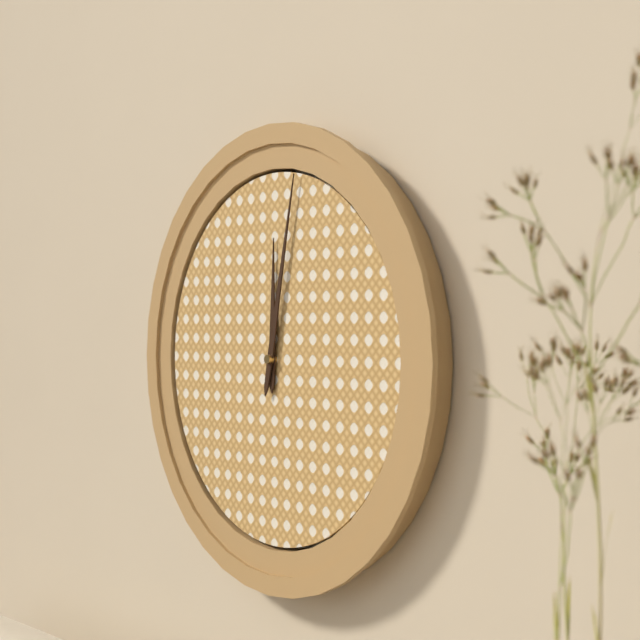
{"hour": 12, "minute": 2}
